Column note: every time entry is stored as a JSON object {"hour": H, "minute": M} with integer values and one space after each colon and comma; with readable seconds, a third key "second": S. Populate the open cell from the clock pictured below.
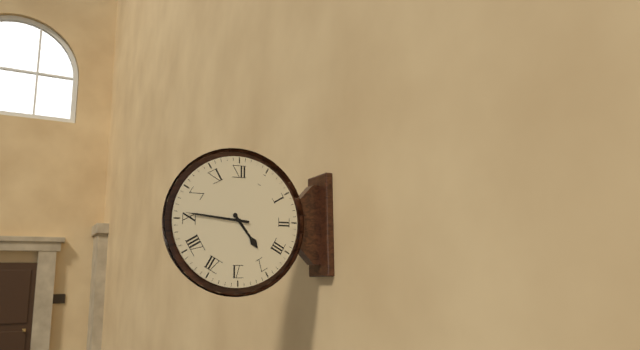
{"hour": 4, "minute": 46}
